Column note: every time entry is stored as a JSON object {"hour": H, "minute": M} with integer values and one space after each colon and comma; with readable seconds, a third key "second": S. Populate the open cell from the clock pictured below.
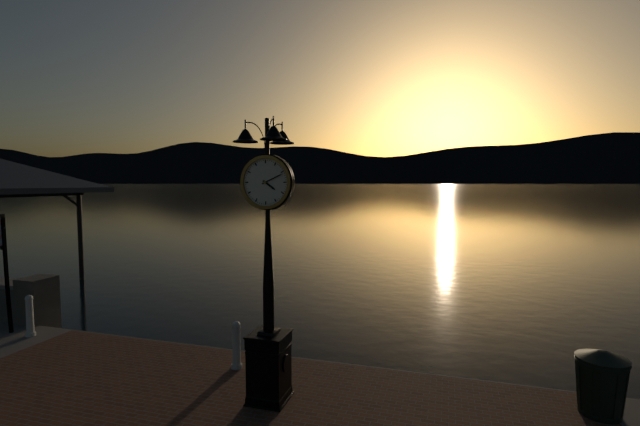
{"hour": 4, "minute": 11}
